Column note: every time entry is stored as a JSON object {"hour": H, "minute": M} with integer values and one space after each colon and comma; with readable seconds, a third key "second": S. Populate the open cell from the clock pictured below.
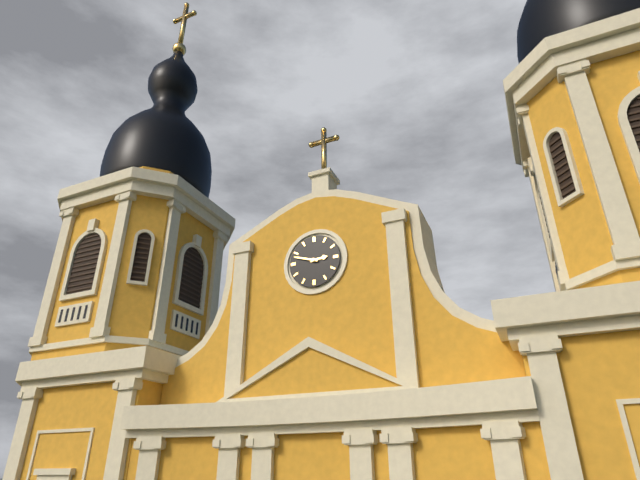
{"hour": 2, "minute": 48}
